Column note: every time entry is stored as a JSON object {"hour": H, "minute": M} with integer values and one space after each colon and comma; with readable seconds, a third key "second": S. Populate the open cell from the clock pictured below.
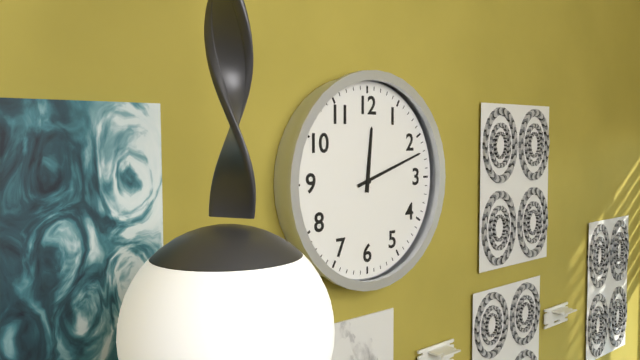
{"hour": 12, "minute": 12}
